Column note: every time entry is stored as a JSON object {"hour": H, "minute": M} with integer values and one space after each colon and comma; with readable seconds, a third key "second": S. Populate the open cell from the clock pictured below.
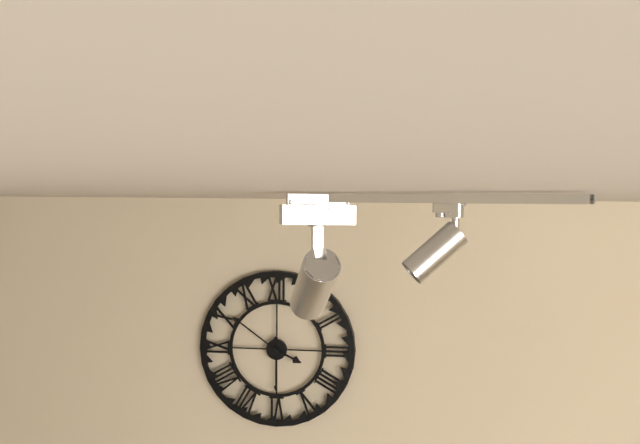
{"hour": 3, "minute": 51, "second": 30}
